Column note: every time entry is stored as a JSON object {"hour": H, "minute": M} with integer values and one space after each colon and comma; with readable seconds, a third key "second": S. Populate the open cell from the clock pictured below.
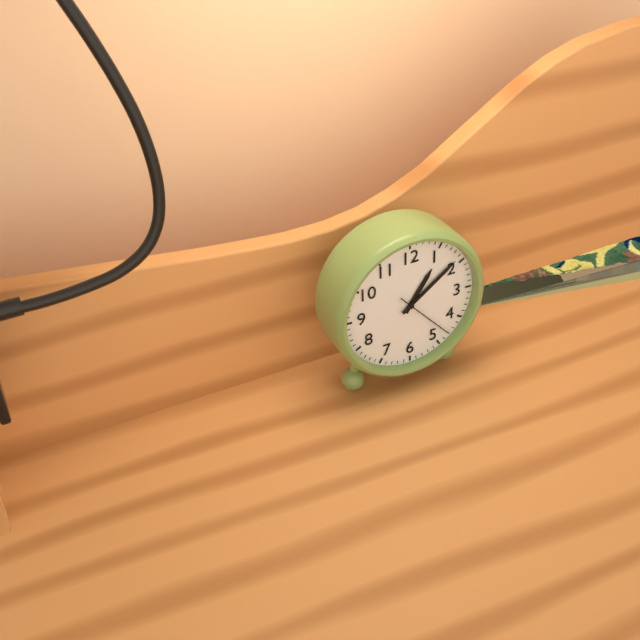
{"hour": 1, "minute": 9, "second": 23}
